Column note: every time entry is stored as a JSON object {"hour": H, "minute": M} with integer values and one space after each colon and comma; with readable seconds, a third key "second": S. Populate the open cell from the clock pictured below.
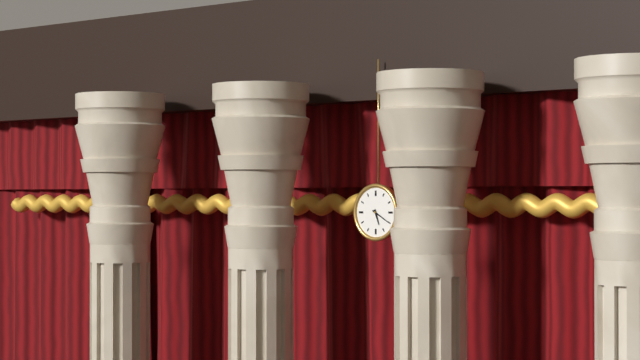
{"hour": 5, "minute": 20}
